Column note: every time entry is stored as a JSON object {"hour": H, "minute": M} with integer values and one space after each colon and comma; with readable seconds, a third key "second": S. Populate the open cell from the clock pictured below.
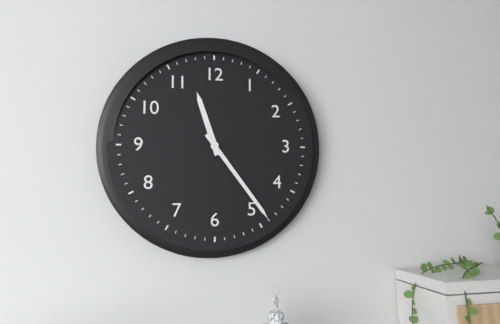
{"hour": 11, "minute": 24}
